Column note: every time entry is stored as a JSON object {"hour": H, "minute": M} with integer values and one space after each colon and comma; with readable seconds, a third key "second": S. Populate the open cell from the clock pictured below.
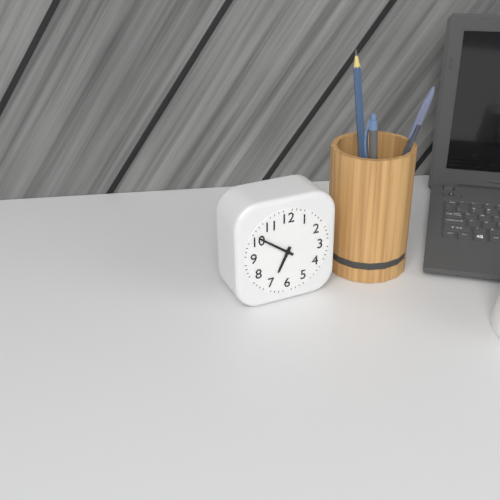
{"hour": 6, "minute": 51}
